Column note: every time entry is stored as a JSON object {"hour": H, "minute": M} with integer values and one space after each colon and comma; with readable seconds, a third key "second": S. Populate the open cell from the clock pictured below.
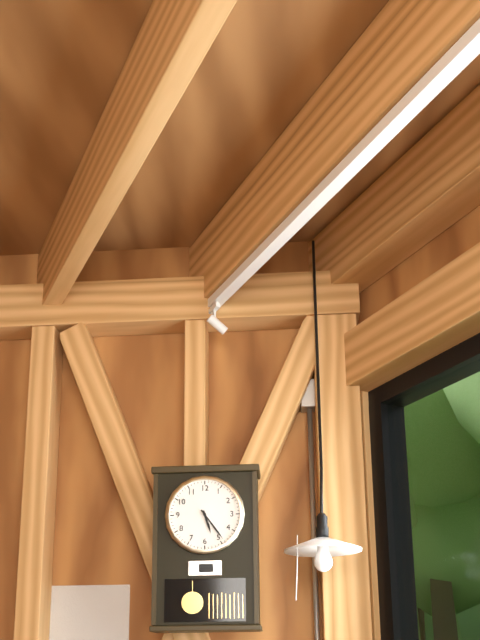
{"hour": 5, "minute": 24}
